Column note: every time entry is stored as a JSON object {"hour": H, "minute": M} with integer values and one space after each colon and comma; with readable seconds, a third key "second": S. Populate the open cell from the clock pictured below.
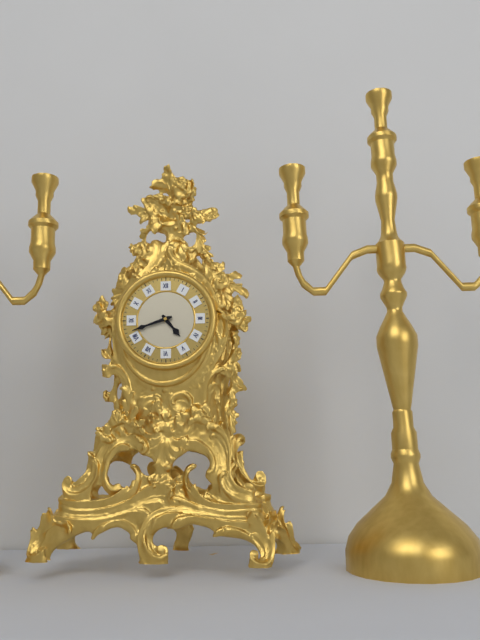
{"hour": 4, "minute": 42}
